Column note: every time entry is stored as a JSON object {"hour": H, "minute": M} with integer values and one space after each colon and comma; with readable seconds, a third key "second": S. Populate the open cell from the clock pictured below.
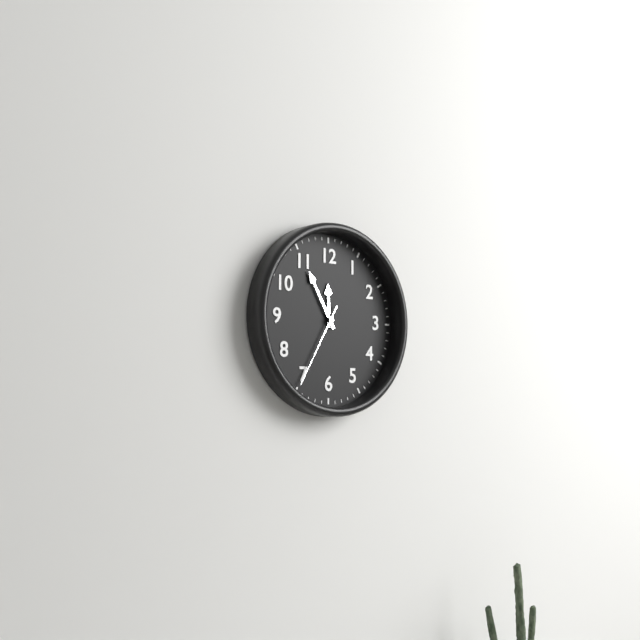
{"hour": 11, "minute": 55, "second": 35}
